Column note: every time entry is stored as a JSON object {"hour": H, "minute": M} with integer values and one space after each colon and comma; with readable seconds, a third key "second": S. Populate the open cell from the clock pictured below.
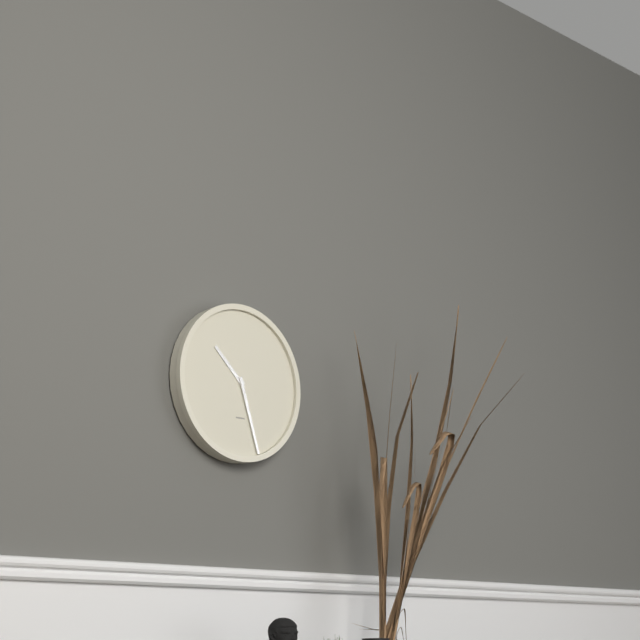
{"hour": 10, "minute": 27}
